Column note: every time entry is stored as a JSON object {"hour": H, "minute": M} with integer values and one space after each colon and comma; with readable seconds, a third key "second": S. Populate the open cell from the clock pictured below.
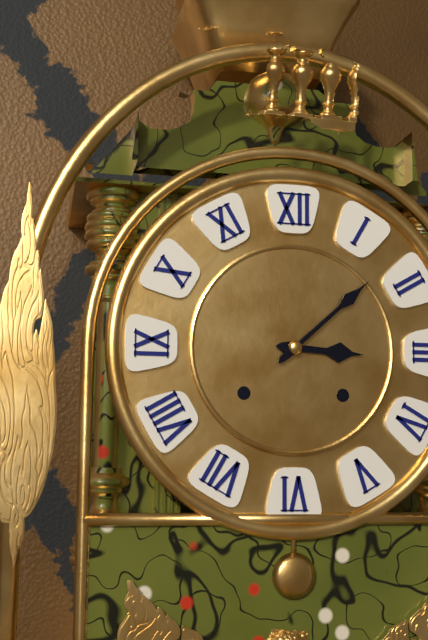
{"hour": 3, "minute": 8}
